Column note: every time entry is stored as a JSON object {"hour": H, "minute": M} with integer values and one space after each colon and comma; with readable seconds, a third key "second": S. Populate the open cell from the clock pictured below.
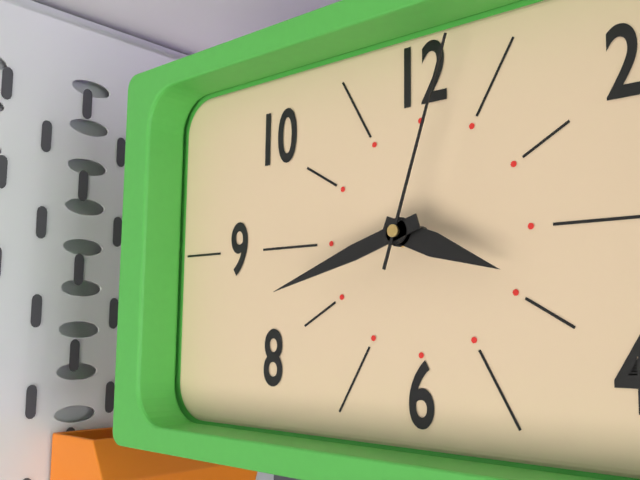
{"hour": 3, "minute": 42, "second": 3}
